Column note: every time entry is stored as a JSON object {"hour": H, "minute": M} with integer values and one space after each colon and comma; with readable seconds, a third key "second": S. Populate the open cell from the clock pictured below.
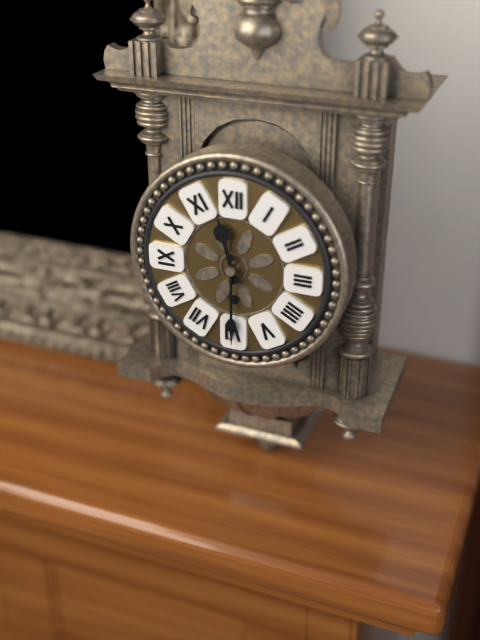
{"hour": 11, "minute": 30}
